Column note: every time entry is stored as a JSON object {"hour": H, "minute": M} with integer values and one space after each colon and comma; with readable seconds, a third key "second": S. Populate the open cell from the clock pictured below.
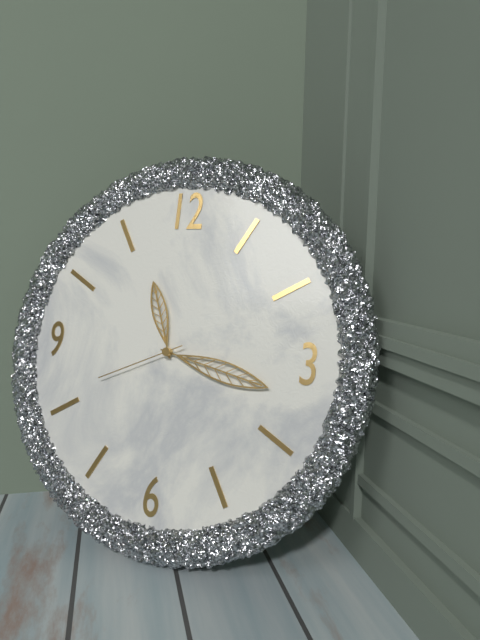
{"hour": 11, "minute": 17, "second": 41}
